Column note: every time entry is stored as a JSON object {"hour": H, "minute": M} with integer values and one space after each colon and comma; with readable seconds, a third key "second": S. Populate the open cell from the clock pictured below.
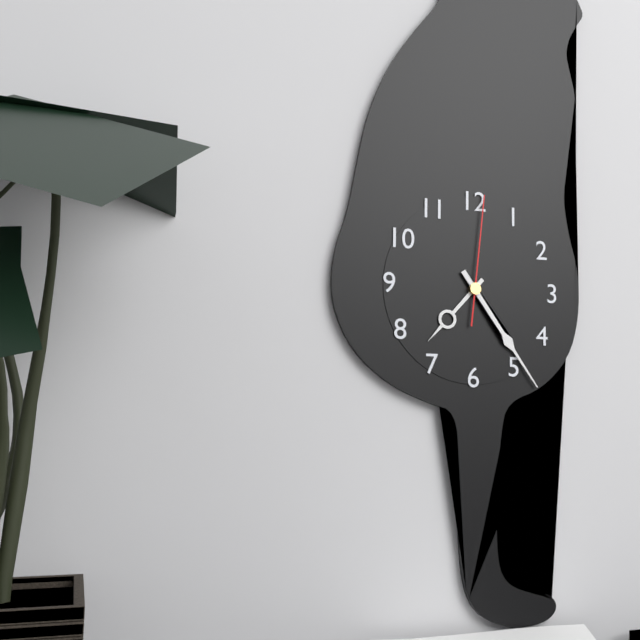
{"hour": 7, "minute": 24, "second": 1}
